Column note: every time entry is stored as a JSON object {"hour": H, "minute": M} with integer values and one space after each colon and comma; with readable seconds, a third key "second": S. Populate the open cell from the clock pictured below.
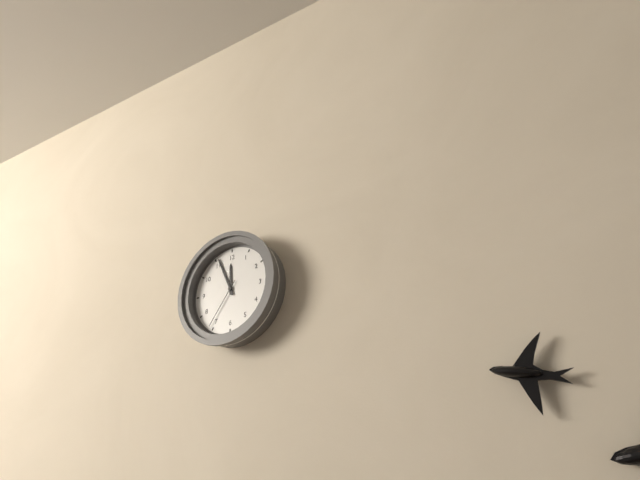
{"hour": 11, "minute": 56, "second": 36}
